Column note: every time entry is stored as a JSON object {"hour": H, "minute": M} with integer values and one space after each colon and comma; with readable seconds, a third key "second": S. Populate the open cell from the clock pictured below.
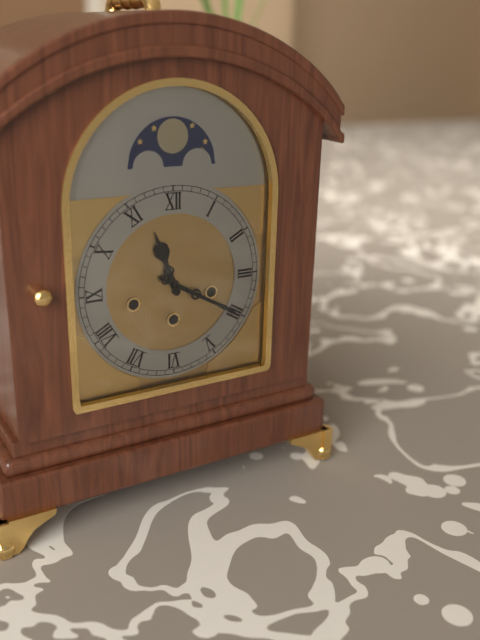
{"hour": 11, "minute": 20}
